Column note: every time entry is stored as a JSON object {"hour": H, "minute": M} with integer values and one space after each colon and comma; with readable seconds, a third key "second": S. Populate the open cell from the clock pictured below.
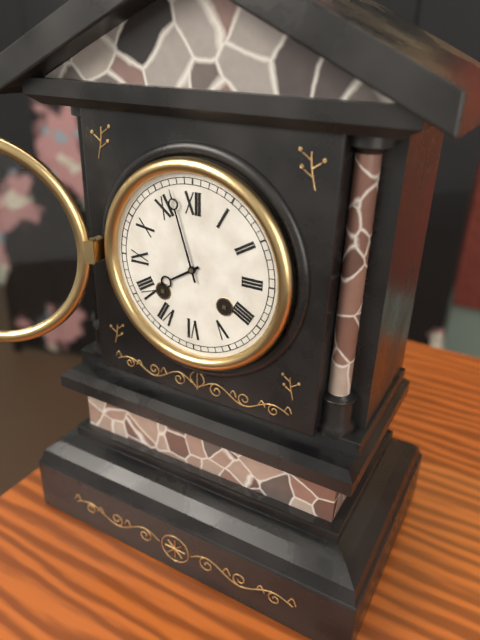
{"hour": 7, "minute": 57}
